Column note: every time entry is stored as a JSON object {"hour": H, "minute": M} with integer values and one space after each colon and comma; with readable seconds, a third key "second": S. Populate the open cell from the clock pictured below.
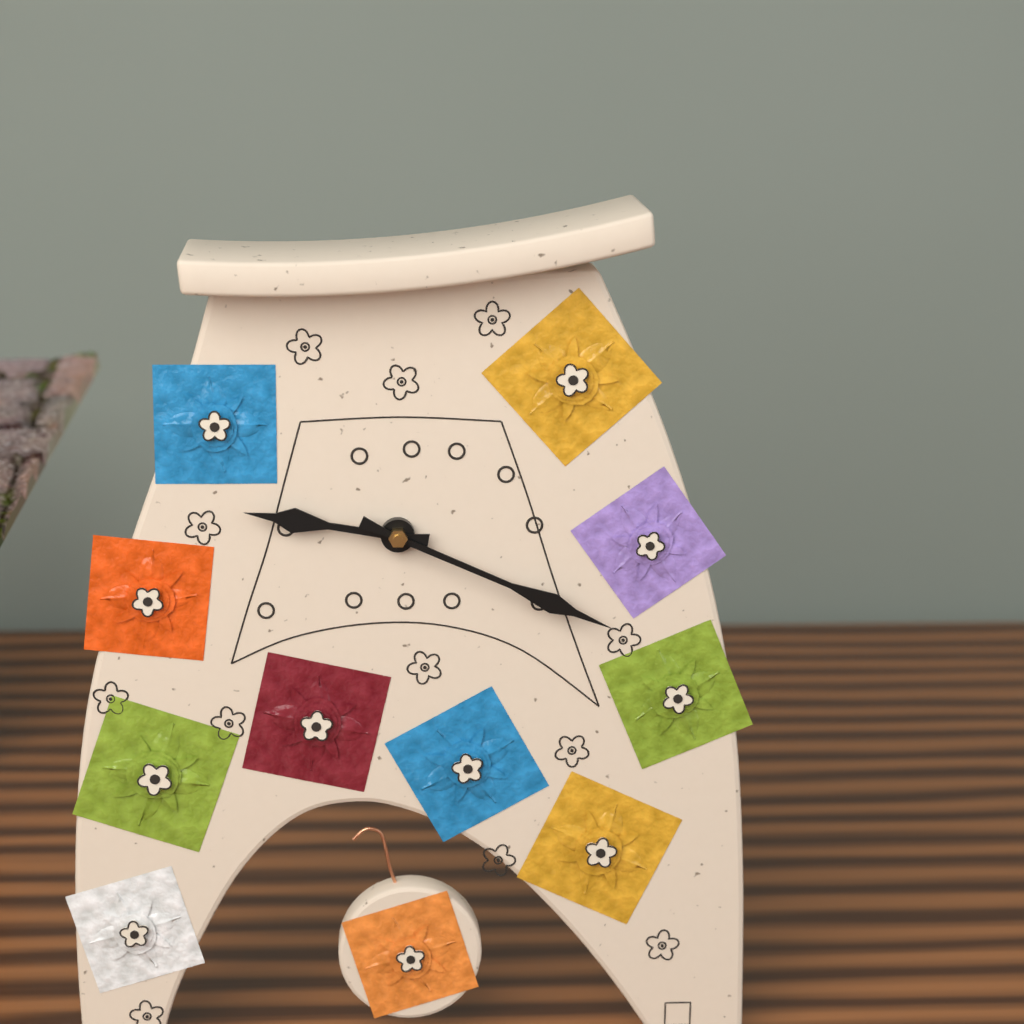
{"hour": 9, "minute": 19}
